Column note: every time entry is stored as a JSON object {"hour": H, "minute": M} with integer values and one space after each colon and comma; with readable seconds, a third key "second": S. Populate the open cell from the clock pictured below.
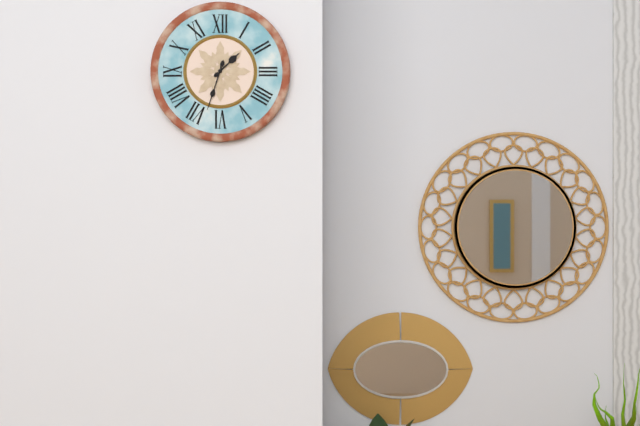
{"hour": 1, "minute": 33}
